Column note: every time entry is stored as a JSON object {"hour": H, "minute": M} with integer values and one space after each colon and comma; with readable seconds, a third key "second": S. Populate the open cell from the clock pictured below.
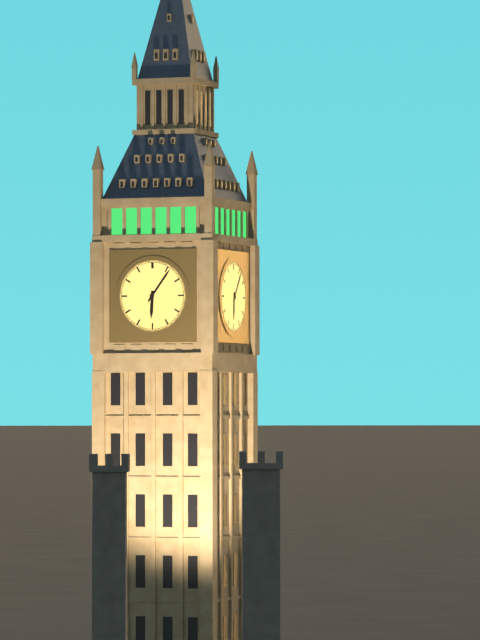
{"hour": 6, "minute": 6}
